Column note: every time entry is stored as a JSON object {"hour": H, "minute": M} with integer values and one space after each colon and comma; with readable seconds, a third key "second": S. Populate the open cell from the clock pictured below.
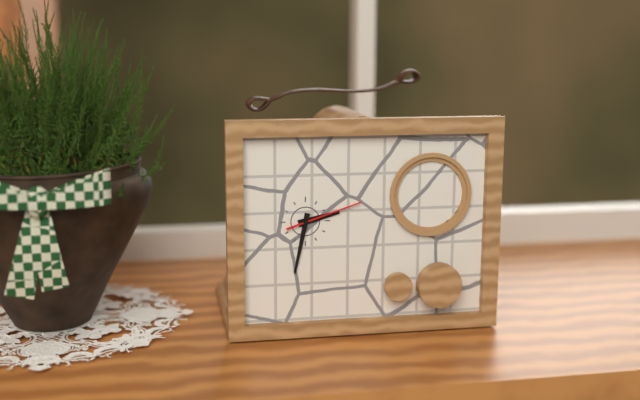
{"hour": 2, "minute": 32, "second": 12}
